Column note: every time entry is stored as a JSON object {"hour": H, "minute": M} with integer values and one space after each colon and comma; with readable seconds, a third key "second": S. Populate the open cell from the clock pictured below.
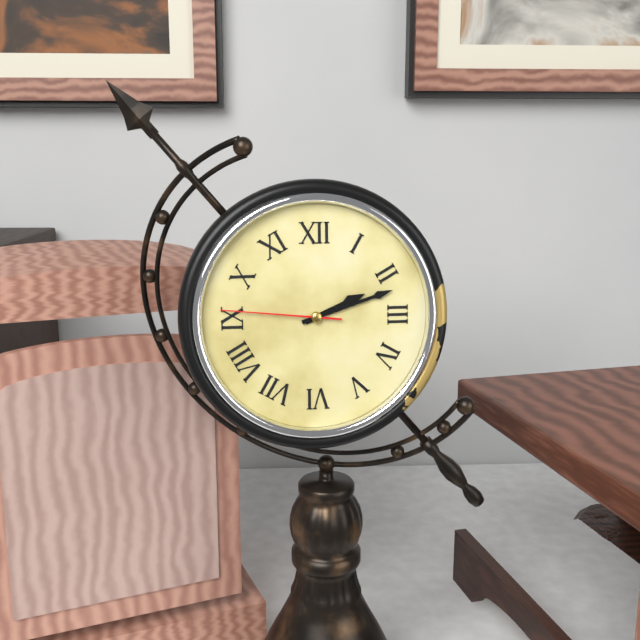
{"hour": 2, "minute": 12, "second": 46}
